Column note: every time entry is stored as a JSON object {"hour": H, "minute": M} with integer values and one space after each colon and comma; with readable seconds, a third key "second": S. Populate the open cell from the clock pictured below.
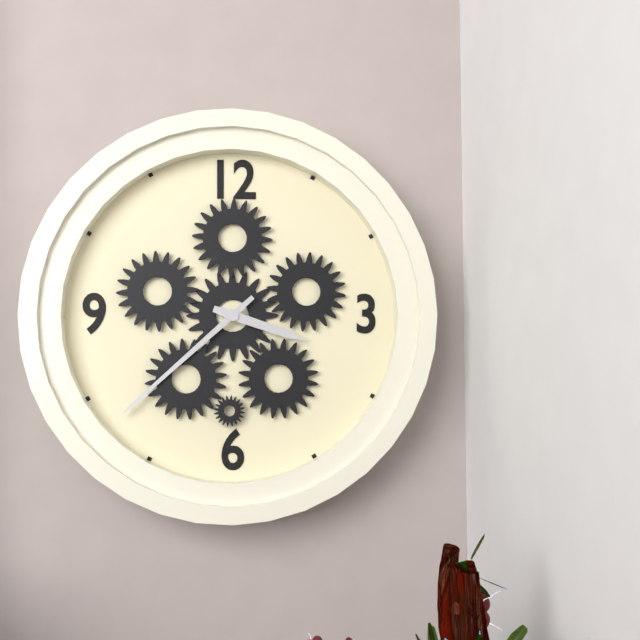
{"hour": 3, "minute": 38}
